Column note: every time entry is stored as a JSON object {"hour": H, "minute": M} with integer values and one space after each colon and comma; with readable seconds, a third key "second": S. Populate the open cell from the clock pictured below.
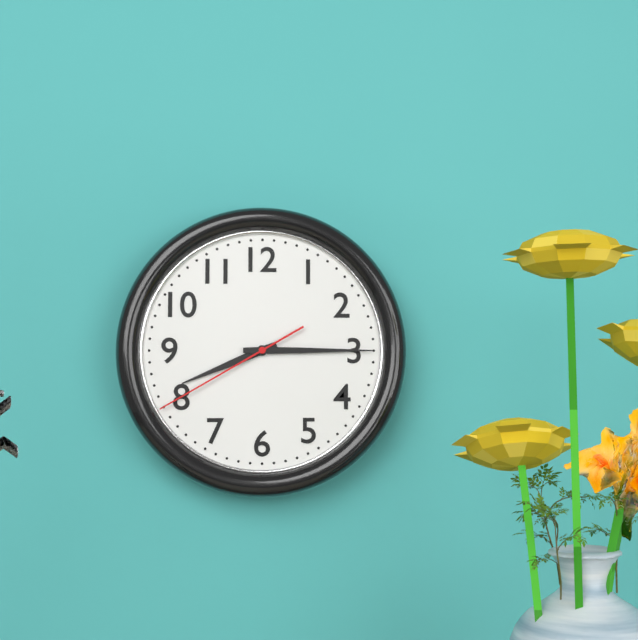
{"hour": 8, "minute": 15, "second": 40}
